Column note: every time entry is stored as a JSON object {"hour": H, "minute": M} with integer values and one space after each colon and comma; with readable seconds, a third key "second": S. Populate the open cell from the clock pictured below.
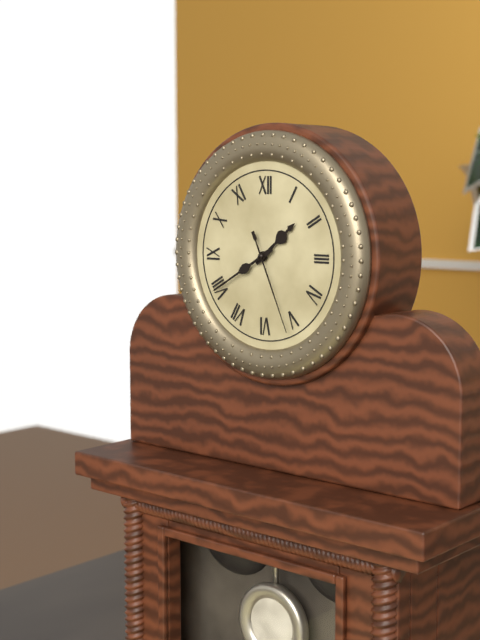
{"hour": 1, "minute": 40, "second": 26}
